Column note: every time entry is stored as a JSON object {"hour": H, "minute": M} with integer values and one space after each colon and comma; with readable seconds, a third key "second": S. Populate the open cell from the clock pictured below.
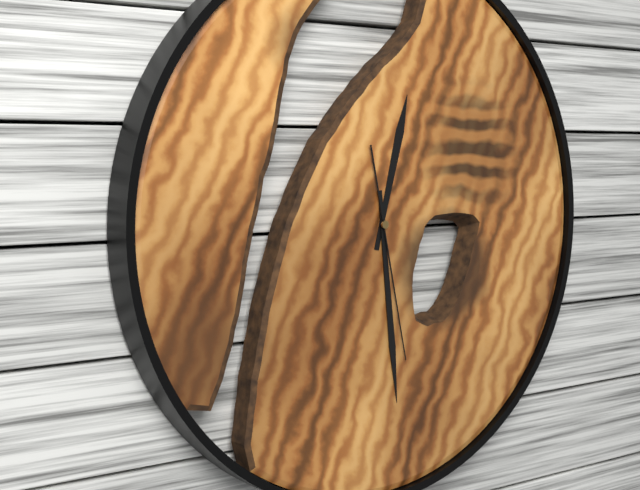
{"hour": 12, "minute": 29, "second": 28}
